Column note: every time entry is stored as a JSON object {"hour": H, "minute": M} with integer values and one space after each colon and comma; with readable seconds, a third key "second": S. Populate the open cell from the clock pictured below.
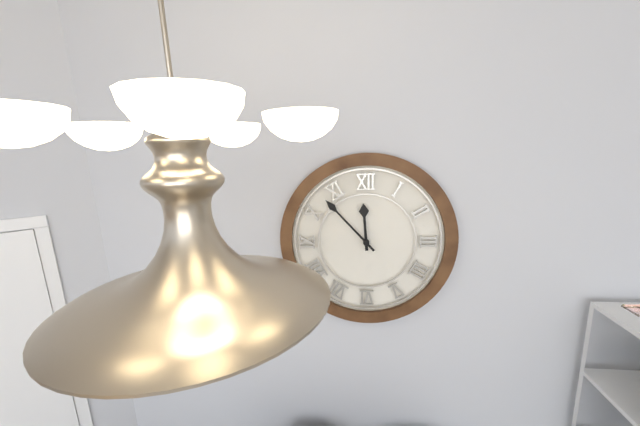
{"hour": 11, "minute": 53}
